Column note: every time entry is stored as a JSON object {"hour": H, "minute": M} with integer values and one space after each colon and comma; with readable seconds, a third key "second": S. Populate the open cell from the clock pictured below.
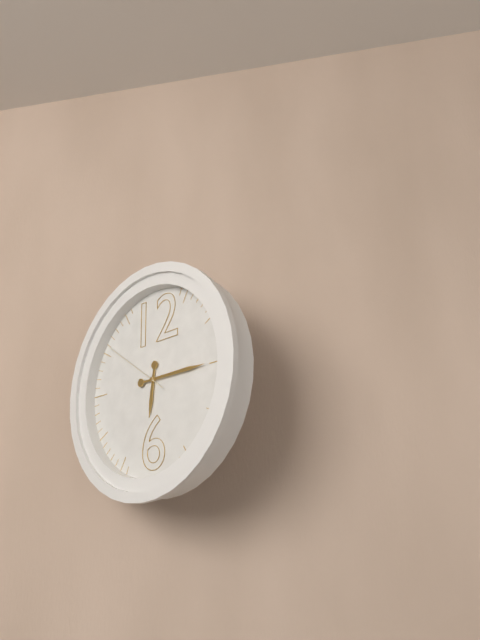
{"hour": 6, "minute": 15, "second": 51}
